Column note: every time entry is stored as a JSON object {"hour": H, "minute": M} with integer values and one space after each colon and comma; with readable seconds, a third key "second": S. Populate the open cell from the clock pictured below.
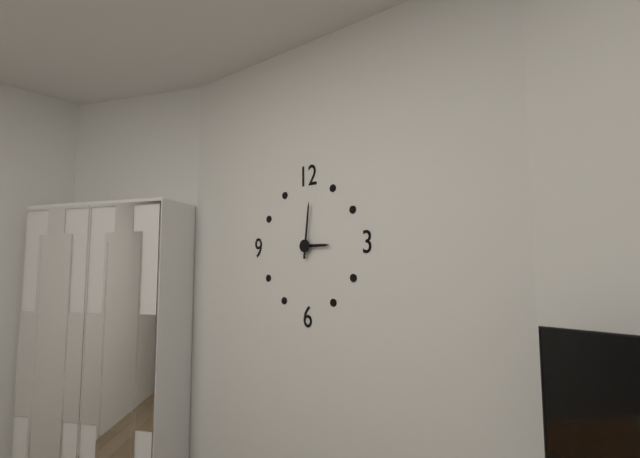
{"hour": 3, "minute": 1}
